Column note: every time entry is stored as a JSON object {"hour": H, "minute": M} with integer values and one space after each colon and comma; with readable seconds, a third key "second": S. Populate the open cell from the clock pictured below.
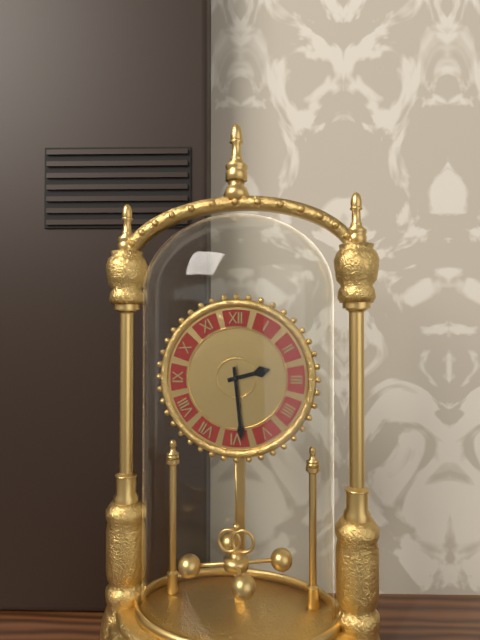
{"hour": 2, "minute": 29}
